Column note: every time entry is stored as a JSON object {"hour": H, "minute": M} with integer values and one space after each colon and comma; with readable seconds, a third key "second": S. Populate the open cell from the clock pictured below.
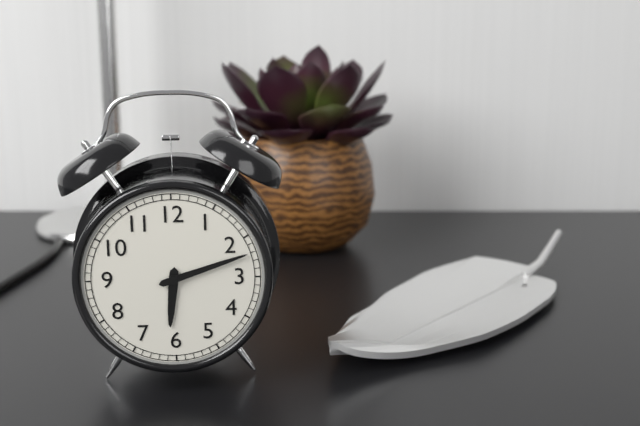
{"hour": 6, "minute": 12}
